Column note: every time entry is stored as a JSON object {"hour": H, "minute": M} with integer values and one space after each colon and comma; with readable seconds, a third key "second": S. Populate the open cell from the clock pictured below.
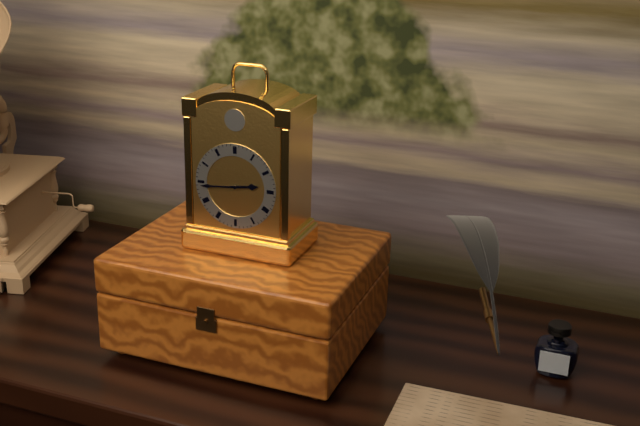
{"hour": 2, "minute": 44}
